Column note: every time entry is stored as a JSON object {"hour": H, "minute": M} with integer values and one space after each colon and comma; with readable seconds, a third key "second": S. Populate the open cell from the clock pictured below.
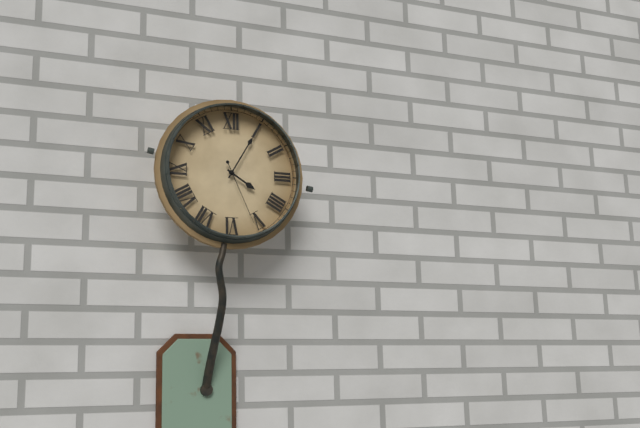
{"hour": 4, "minute": 5, "second": 26}
